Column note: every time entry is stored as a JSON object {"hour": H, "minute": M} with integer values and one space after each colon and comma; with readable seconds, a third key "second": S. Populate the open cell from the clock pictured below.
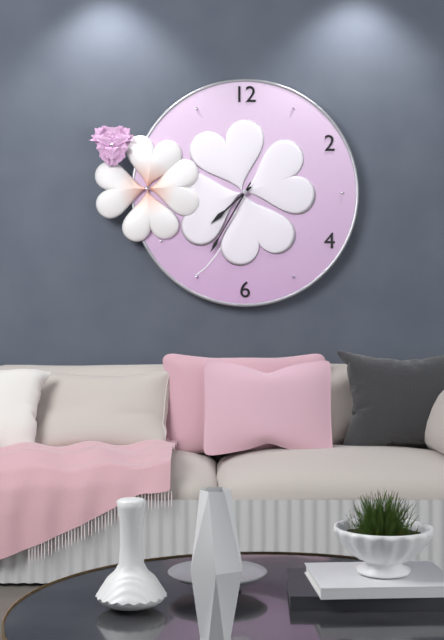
{"hour": 7, "minute": 35}
